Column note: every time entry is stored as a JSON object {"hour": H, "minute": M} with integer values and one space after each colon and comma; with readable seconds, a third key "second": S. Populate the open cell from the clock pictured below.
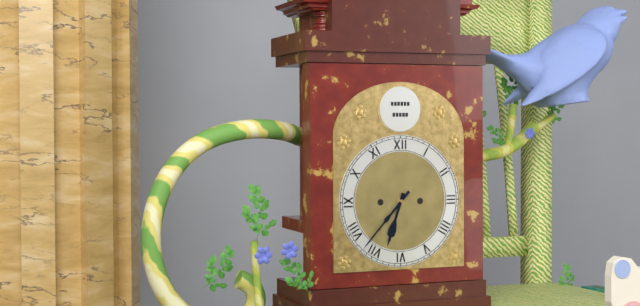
{"hour": 6, "minute": 37}
